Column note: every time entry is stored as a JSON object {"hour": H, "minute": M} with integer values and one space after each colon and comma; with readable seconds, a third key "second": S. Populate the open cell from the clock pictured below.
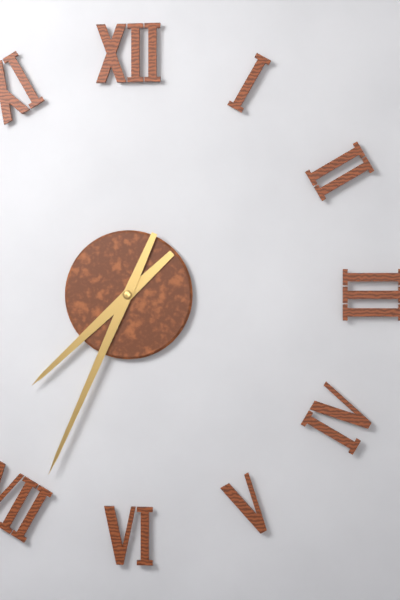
{"hour": 7, "minute": 34}
